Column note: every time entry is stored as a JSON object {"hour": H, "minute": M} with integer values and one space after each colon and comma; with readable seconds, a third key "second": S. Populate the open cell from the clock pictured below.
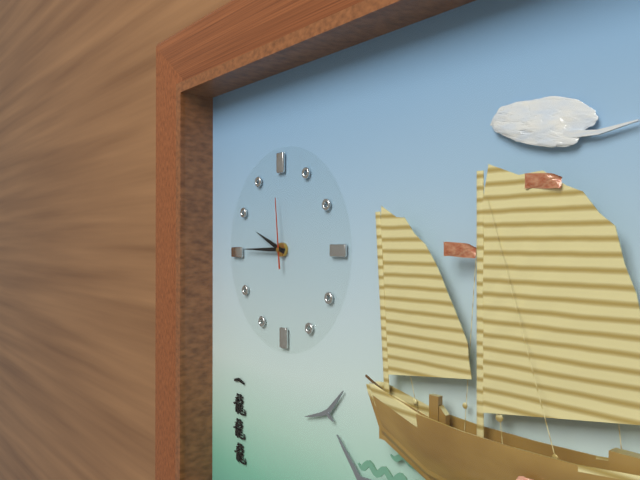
{"hour": 9, "minute": 45, "second": 59}
